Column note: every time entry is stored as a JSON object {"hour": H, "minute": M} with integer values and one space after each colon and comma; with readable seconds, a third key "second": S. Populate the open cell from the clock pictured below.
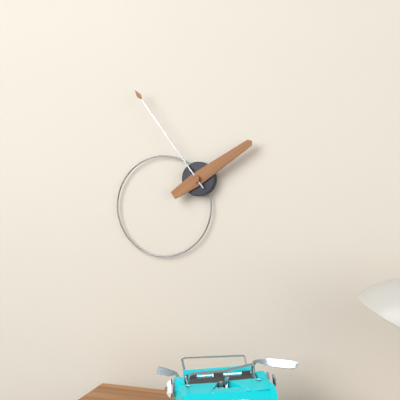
{"hour": 1, "minute": 54}
